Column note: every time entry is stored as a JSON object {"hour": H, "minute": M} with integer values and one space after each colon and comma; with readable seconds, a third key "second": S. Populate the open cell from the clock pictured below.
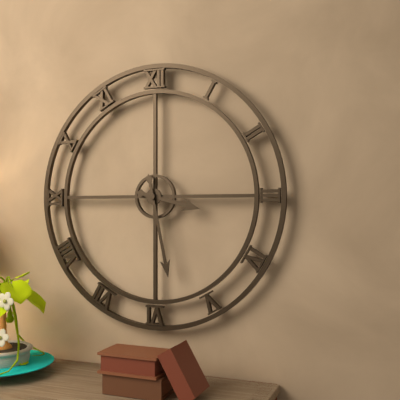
{"hour": 3, "minute": 28}
